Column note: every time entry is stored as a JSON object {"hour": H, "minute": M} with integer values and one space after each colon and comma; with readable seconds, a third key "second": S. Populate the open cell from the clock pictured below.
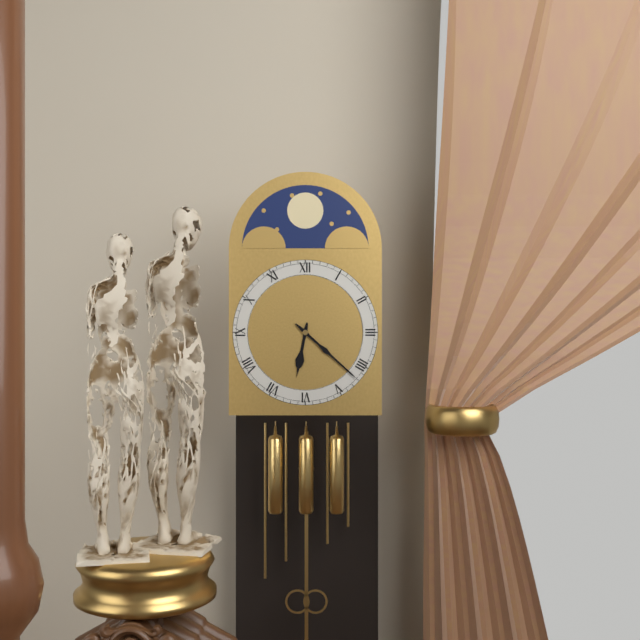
{"hour": 6, "minute": 22}
